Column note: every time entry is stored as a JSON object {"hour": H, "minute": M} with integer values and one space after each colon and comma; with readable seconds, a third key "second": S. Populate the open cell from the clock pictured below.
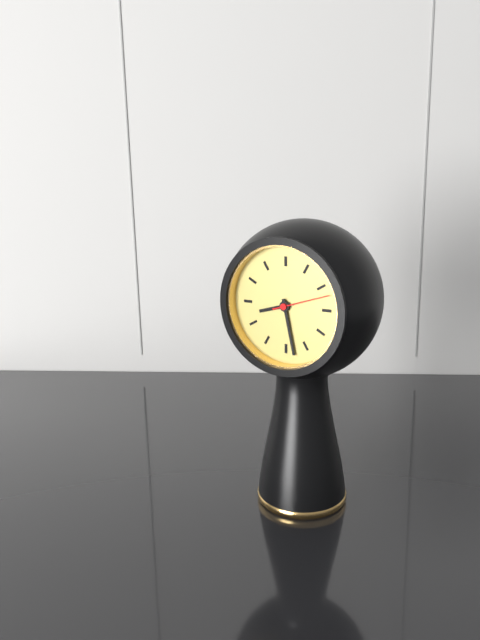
{"hour": 8, "minute": 28}
